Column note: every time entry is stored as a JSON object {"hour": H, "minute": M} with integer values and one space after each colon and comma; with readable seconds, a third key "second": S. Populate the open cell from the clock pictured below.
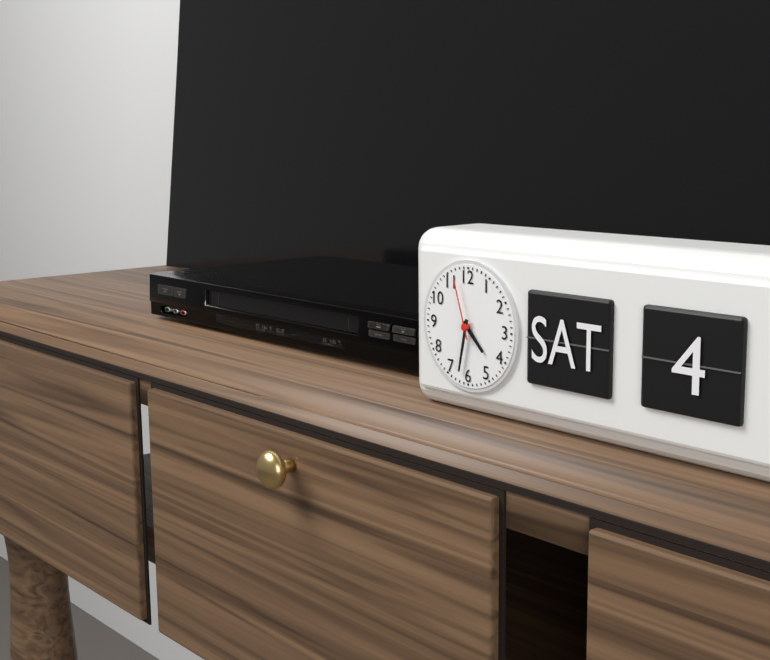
{"hour": 4, "minute": 32, "second": 57}
